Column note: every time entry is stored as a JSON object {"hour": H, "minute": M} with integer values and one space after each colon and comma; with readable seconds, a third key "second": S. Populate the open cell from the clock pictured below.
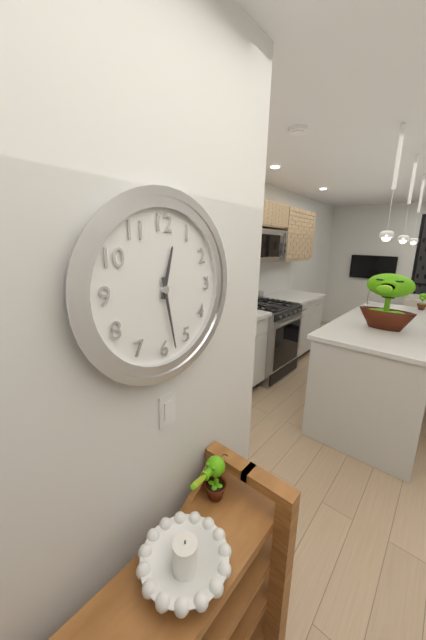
{"hour": 12, "minute": 28}
